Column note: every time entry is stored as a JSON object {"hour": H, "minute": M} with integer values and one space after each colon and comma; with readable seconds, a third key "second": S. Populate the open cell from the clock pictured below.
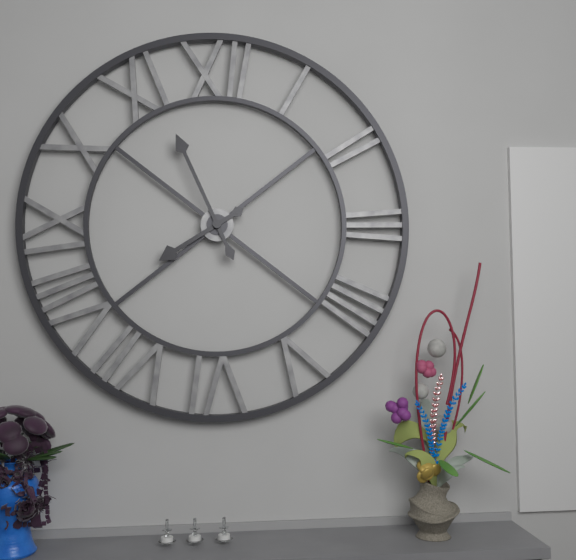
{"hour": 7, "minute": 56}
